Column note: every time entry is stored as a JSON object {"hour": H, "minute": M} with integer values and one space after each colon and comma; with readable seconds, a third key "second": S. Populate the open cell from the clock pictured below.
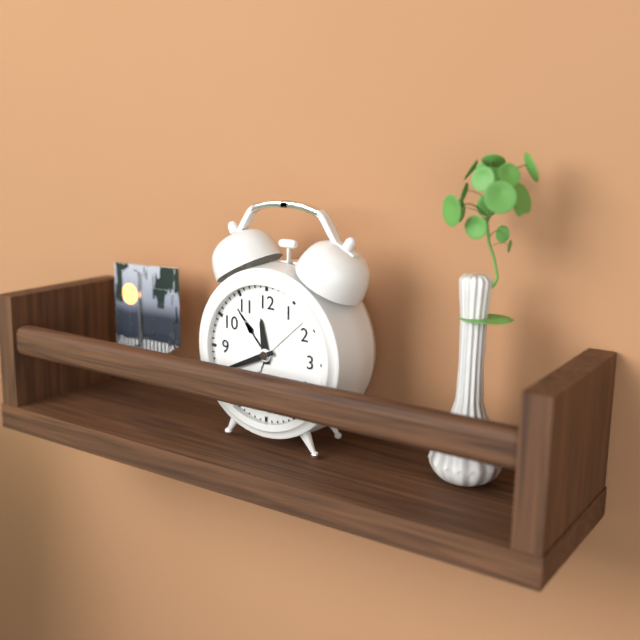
{"hour": 11, "minute": 41}
